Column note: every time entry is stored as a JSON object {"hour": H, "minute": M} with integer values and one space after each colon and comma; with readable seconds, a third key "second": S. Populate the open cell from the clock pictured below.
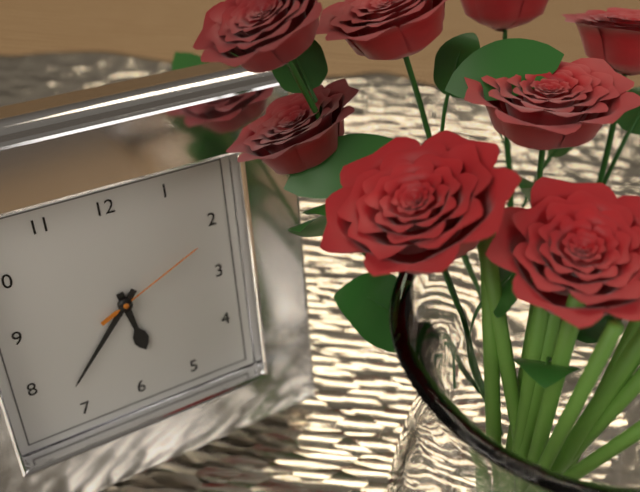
{"hour": 5, "minute": 37, "second": 11}
